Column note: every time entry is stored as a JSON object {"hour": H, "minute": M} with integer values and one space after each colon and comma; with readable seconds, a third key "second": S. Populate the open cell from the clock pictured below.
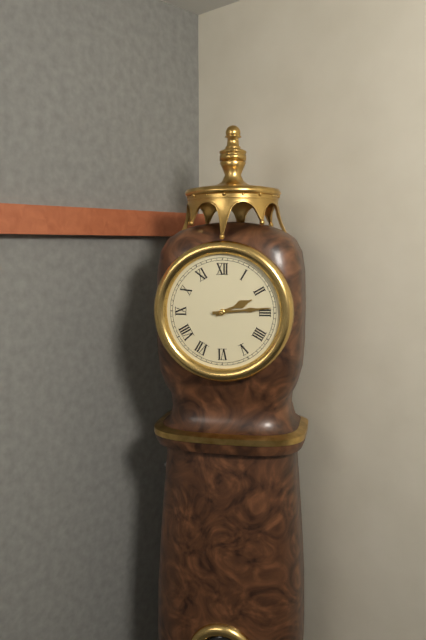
{"hour": 2, "minute": 14}
